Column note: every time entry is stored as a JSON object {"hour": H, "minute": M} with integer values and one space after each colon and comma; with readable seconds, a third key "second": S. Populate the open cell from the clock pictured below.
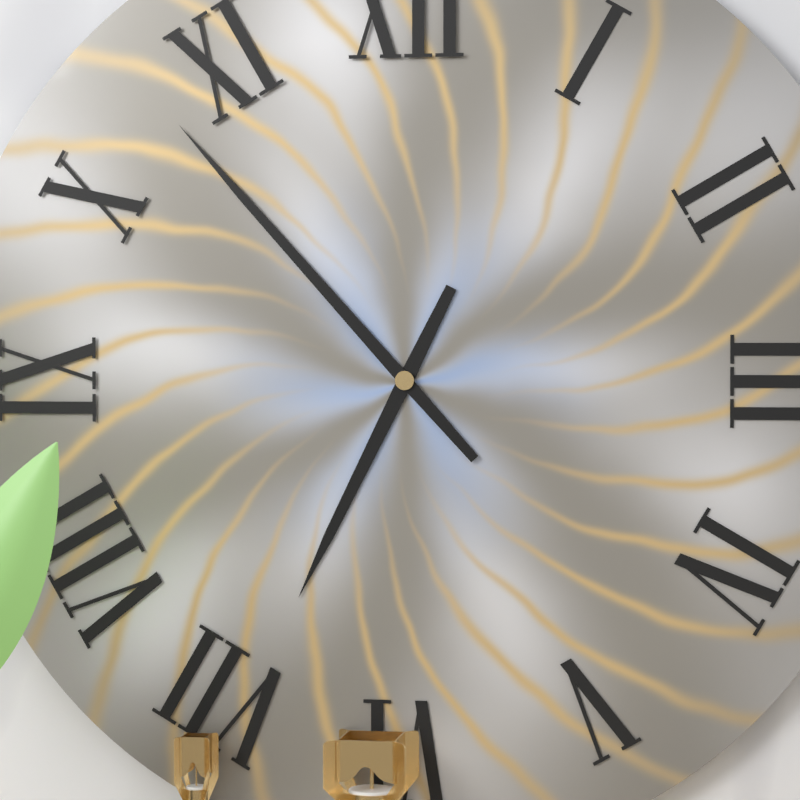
{"hour": 6, "minute": 53}
